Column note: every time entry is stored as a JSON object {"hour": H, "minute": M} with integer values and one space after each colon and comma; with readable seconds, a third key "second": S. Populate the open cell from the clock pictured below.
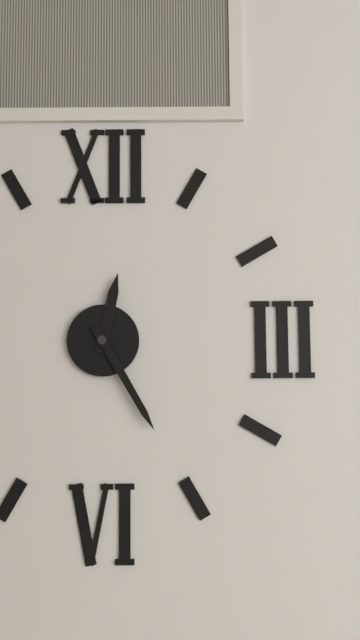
{"hour": 12, "minute": 25}
